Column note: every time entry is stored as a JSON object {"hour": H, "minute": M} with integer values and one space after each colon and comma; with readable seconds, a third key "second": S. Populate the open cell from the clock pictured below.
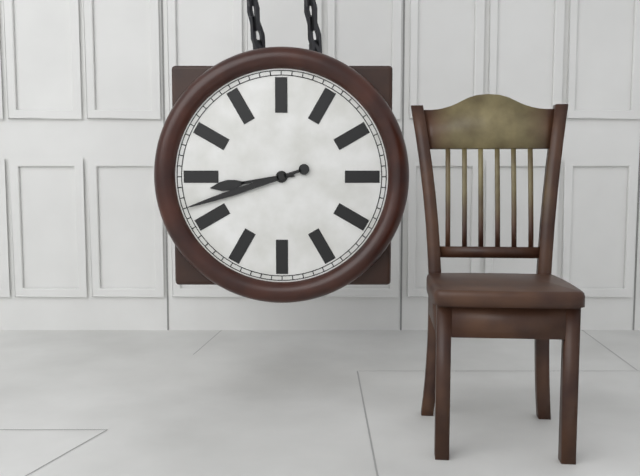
{"hour": 8, "minute": 42}
